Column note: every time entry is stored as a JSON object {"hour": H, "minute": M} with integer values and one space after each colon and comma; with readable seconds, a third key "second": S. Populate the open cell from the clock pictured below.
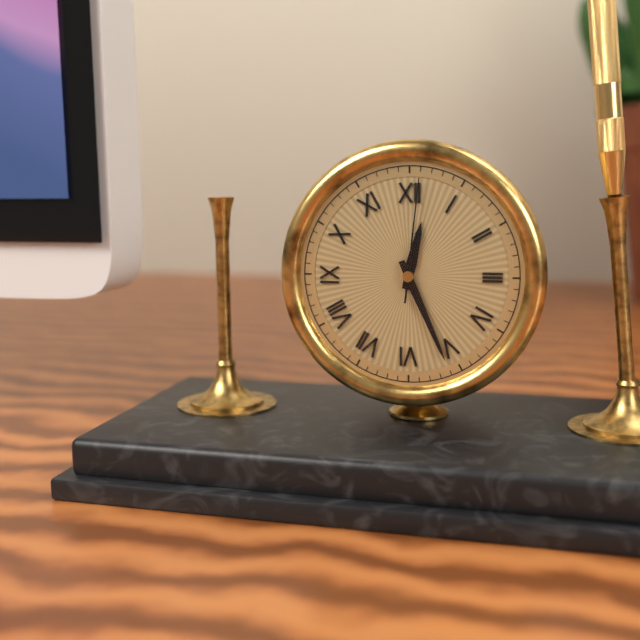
{"hour": 12, "minute": 26, "second": 1}
